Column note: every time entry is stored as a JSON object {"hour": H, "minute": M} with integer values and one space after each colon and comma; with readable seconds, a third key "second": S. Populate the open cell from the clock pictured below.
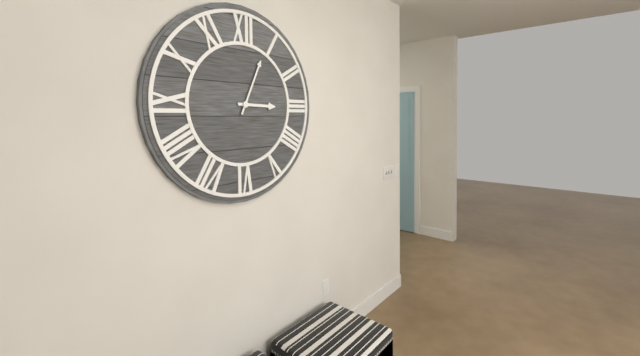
{"hour": 3, "minute": 4}
